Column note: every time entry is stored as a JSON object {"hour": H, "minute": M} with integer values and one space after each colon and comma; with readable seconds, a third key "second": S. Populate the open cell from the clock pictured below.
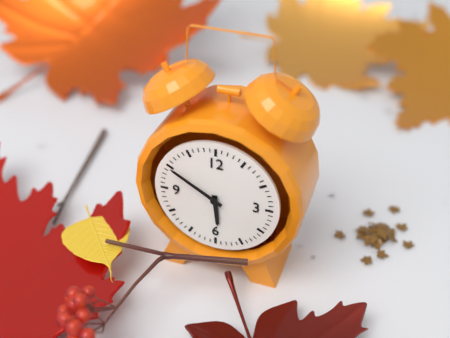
{"hour": 5, "minute": 50}
